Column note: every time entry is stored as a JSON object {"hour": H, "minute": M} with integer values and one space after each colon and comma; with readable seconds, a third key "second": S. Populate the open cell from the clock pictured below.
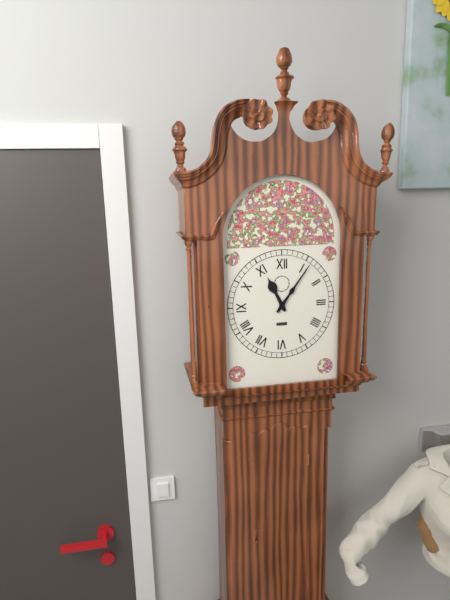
{"hour": 11, "minute": 6}
